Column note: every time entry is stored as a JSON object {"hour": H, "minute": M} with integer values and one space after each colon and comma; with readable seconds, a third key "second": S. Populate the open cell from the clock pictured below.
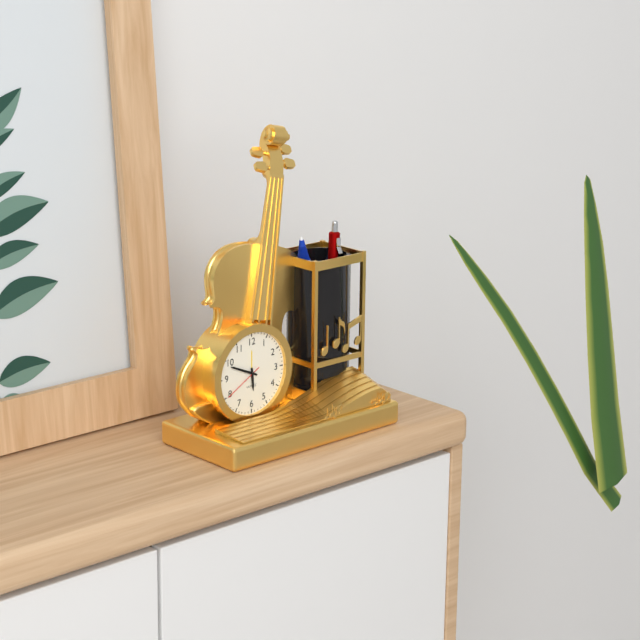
{"hour": 5, "minute": 49}
